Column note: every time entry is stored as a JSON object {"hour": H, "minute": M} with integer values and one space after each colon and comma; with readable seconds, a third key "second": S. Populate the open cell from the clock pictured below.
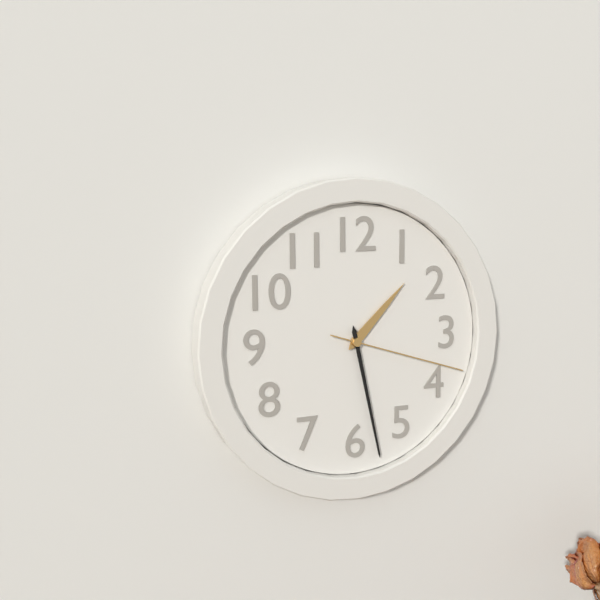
{"hour": 1, "minute": 28, "second": 18}
